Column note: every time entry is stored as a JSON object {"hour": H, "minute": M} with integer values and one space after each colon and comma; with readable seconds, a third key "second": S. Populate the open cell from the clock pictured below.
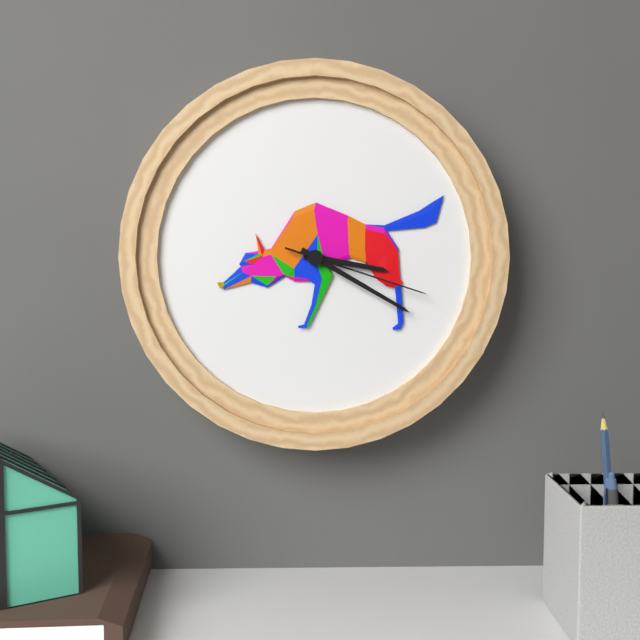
{"hour": 3, "minute": 20, "second": 18}
